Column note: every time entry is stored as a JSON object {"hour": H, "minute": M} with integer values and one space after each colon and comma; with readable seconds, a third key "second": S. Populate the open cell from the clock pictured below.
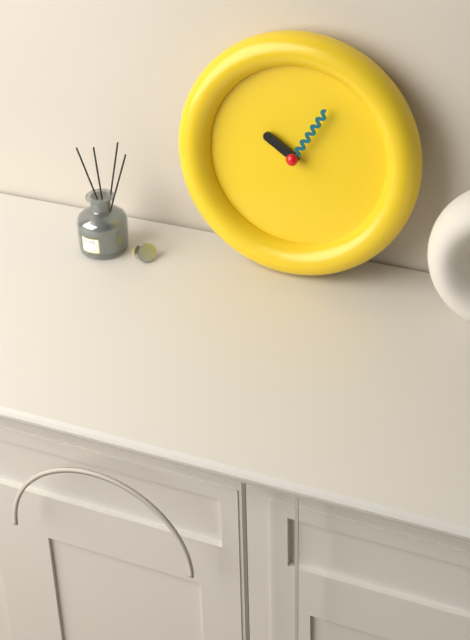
{"hour": 10, "minute": 5}
